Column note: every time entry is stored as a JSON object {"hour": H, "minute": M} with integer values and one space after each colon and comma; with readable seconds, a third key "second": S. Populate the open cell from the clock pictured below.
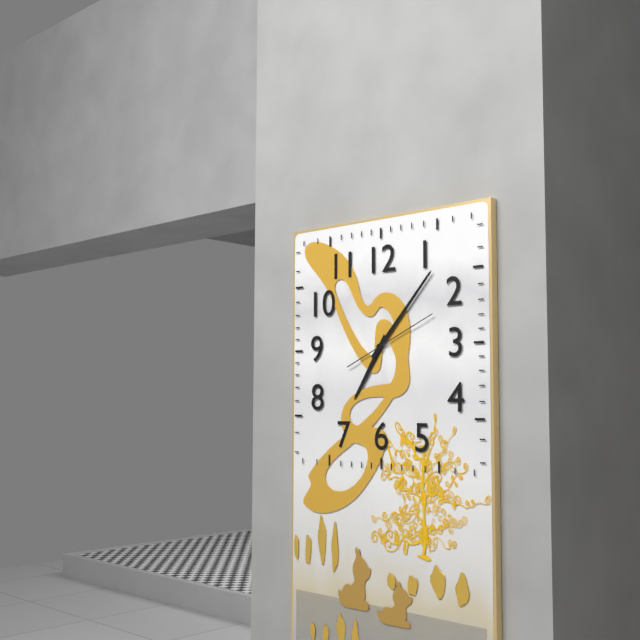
{"hour": 7, "minute": 7, "second": 11}
